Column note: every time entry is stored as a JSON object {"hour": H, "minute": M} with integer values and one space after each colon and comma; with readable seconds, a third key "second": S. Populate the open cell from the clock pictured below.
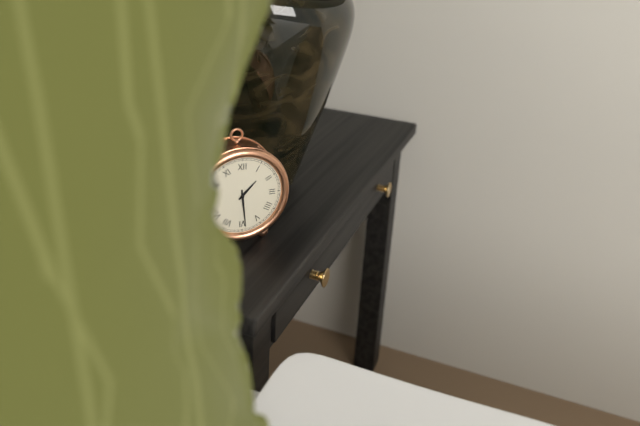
{"hour": 1, "minute": 29}
